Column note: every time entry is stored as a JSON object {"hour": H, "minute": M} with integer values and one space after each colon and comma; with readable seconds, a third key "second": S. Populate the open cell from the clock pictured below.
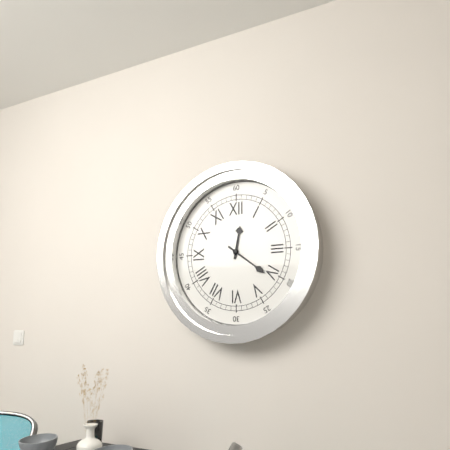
{"hour": 12, "minute": 21}
